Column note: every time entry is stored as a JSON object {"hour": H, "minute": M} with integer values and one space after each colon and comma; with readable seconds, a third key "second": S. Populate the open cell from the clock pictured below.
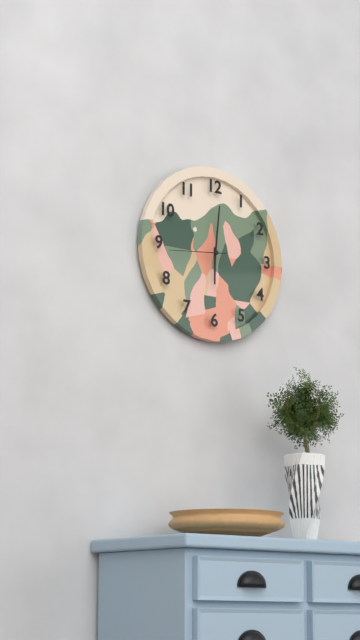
{"hour": 6, "minute": 1, "second": 44}
